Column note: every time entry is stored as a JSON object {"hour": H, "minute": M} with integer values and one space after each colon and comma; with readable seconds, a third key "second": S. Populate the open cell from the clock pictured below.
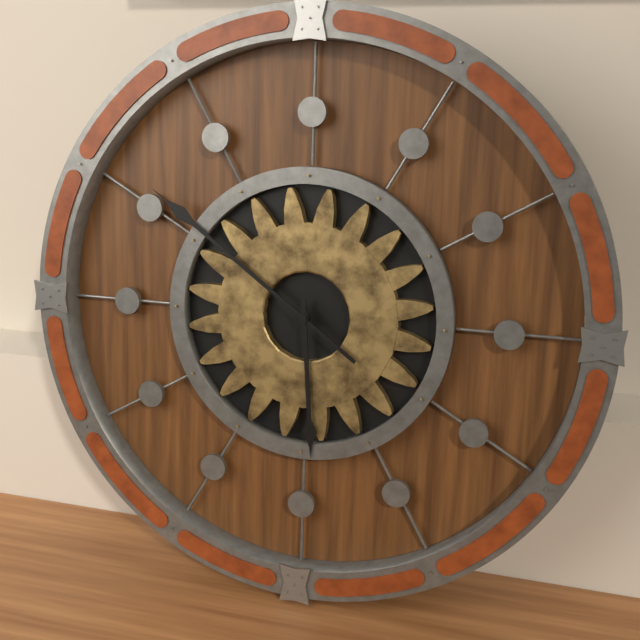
{"hour": 5, "minute": 51}
